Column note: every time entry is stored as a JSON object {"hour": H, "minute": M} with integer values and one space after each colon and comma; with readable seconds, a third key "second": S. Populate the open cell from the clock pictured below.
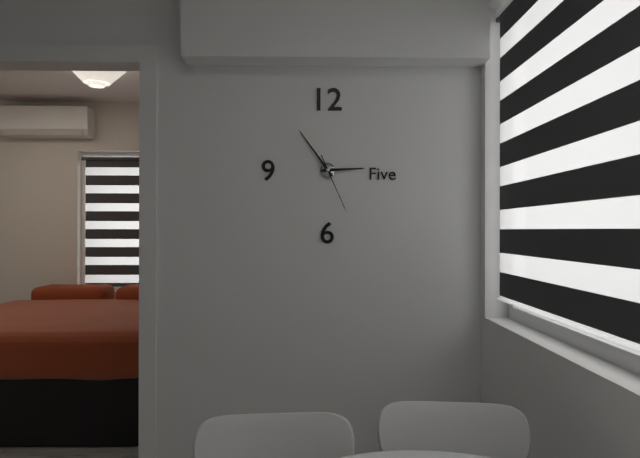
{"hour": 2, "minute": 54, "second": 26}
